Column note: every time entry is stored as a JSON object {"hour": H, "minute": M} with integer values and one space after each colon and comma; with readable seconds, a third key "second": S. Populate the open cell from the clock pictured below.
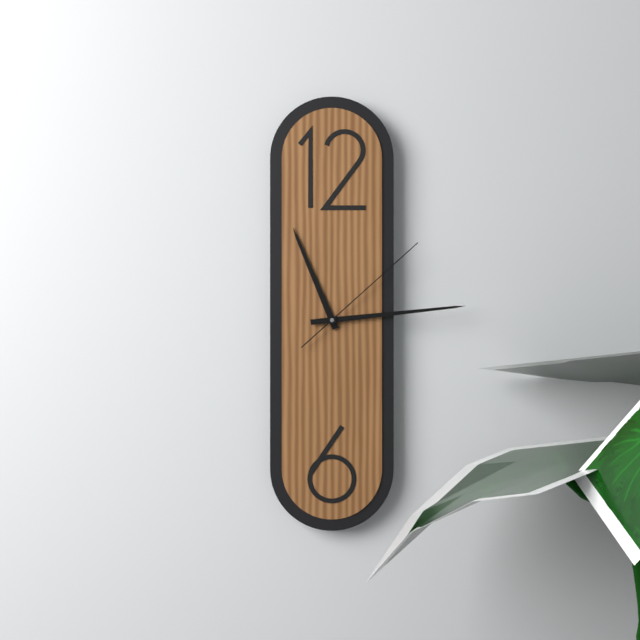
{"hour": 11, "minute": 14, "second": 8}
